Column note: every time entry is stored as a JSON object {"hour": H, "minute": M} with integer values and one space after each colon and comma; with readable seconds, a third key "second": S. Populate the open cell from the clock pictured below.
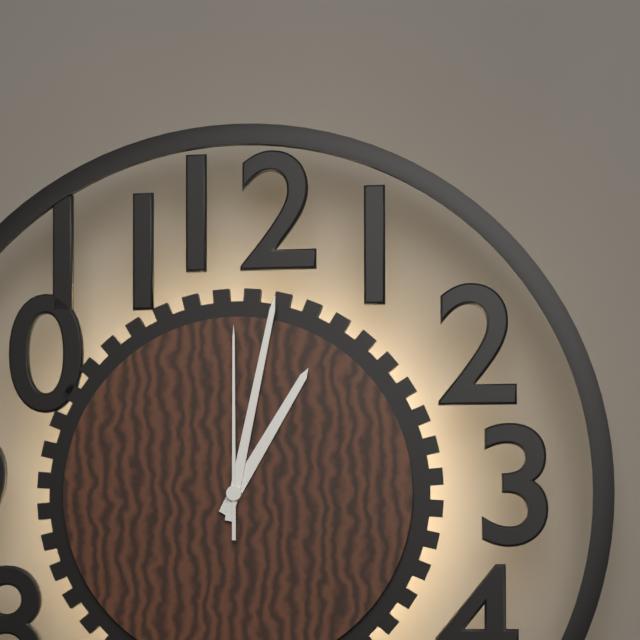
{"hour": 1, "minute": 2, "second": 0}
